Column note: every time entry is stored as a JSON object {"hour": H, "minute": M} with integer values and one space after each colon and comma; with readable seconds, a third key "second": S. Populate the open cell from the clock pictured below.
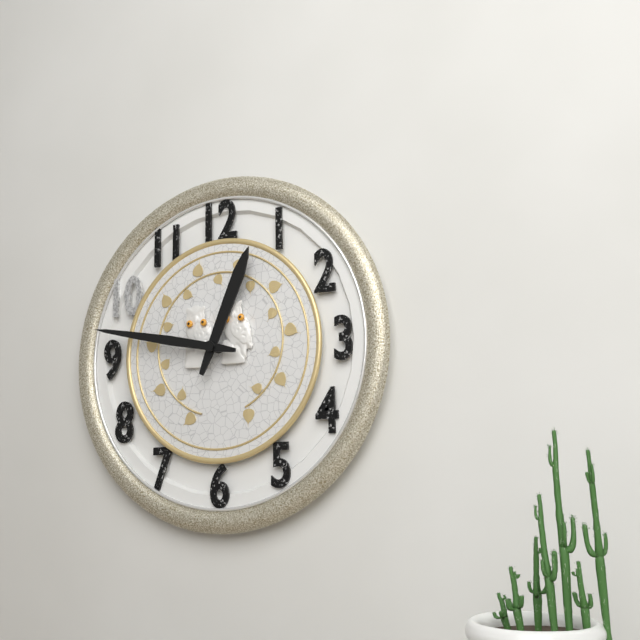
{"hour": 12, "minute": 47}
